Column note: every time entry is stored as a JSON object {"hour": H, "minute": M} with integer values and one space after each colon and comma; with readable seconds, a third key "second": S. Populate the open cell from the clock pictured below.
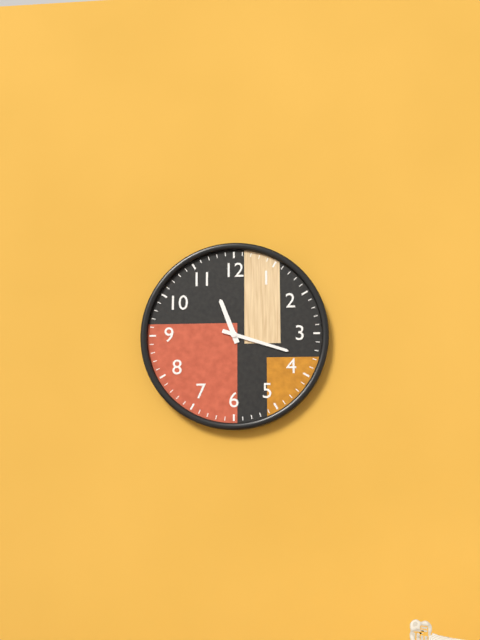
{"hour": 11, "minute": 18}
